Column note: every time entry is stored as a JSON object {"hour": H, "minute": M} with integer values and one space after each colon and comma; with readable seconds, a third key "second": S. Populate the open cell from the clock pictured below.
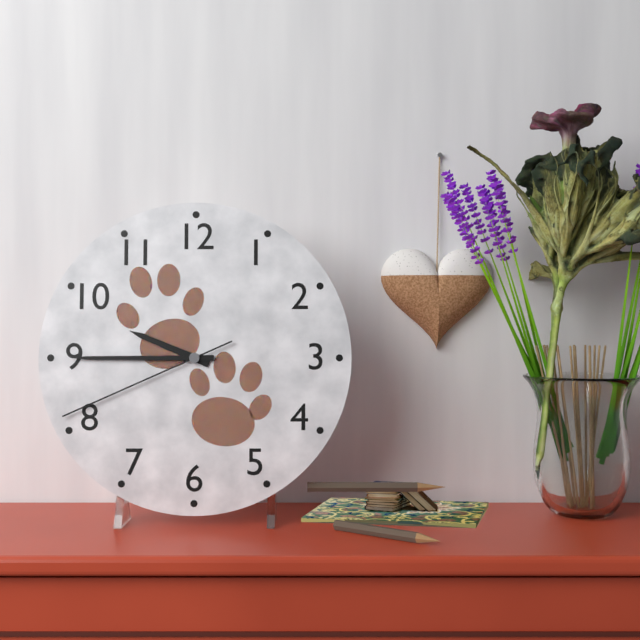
{"hour": 9, "minute": 45, "second": 41}
